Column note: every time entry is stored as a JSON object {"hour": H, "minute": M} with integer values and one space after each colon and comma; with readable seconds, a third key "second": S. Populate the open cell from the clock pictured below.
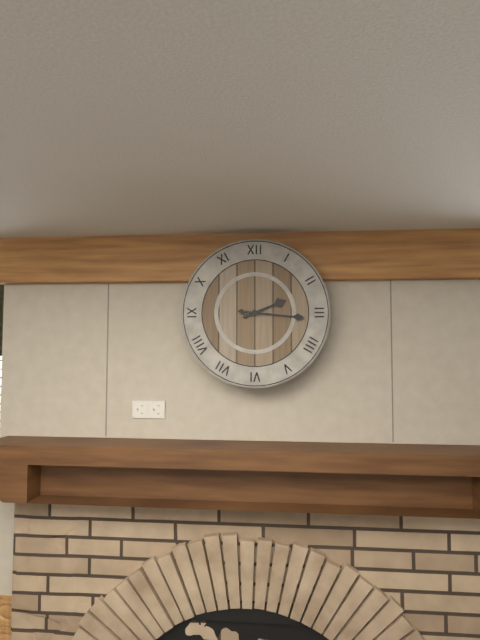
{"hour": 2, "minute": 16}
